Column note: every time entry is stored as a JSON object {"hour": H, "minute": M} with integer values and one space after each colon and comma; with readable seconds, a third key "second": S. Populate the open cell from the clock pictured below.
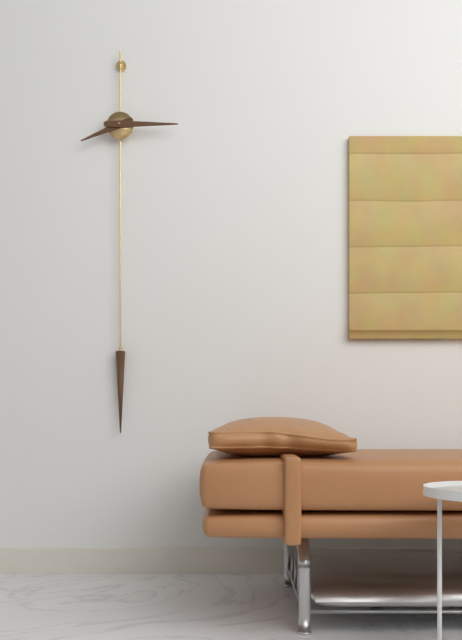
{"hour": 8, "minute": 15}
